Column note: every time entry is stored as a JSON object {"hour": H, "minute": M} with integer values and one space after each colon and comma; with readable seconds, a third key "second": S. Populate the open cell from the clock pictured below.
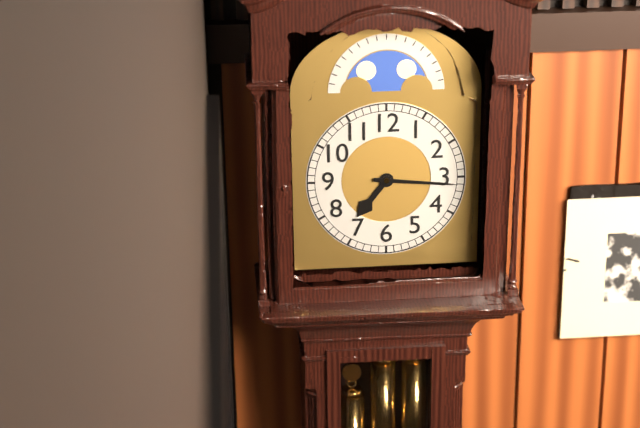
{"hour": 7, "minute": 16}
